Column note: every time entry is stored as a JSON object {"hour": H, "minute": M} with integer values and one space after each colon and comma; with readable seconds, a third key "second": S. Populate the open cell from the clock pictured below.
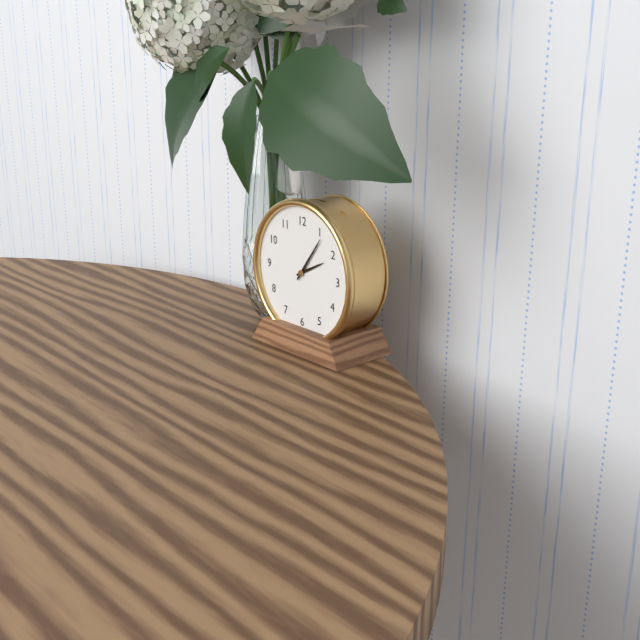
{"hour": 2, "minute": 6}
